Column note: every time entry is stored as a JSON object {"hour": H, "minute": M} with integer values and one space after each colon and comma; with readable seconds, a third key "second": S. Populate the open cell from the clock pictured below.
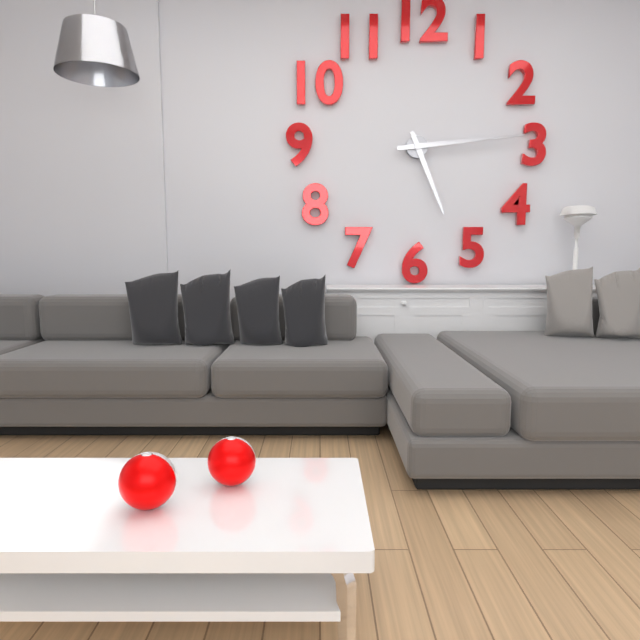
{"hour": 5, "minute": 14}
